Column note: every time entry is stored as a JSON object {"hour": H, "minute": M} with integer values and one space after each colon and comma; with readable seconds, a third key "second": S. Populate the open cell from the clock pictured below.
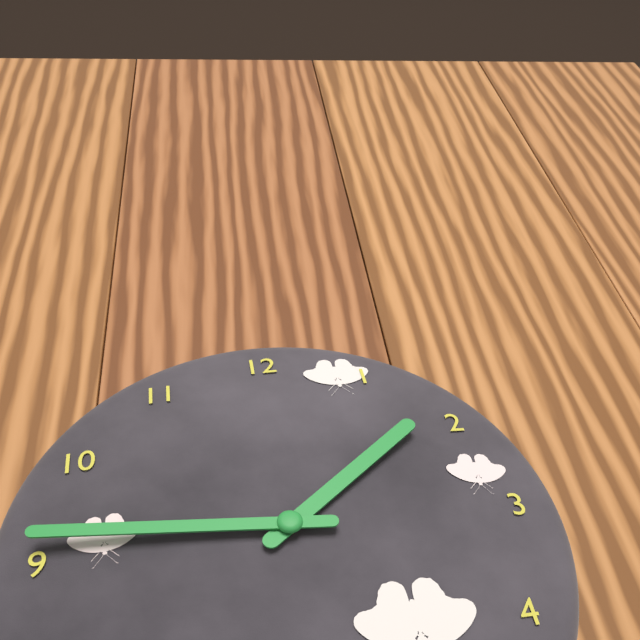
{"hour": 1, "minute": 46}
